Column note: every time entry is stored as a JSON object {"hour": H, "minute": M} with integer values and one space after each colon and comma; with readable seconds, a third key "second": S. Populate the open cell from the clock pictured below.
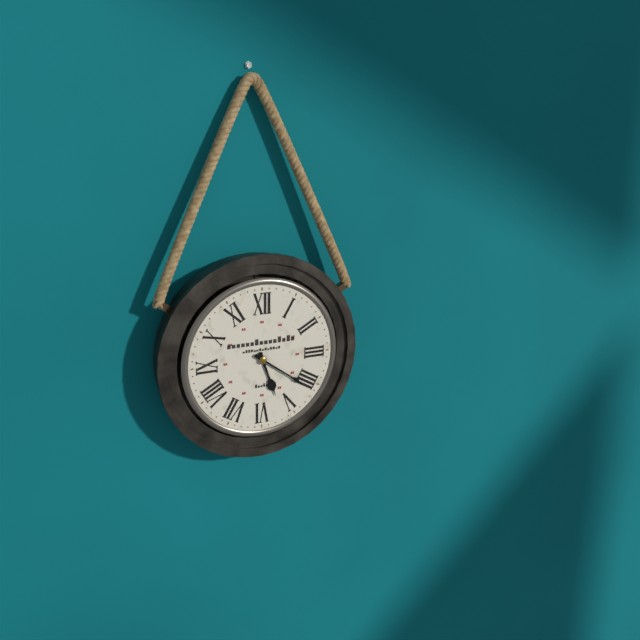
{"hour": 5, "minute": 21}
